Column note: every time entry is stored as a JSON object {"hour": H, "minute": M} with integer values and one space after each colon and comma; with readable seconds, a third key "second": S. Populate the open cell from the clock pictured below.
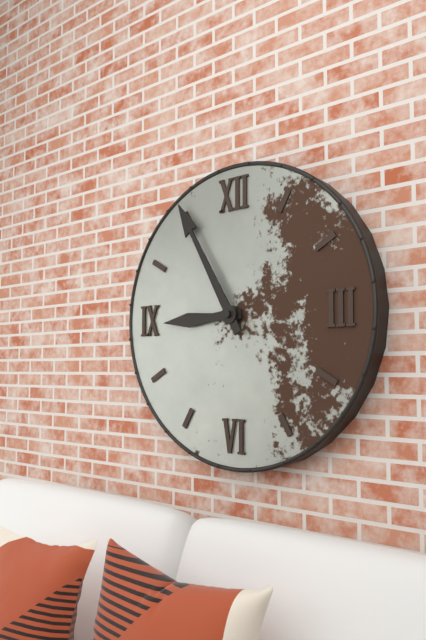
{"hour": 8, "minute": 55}
